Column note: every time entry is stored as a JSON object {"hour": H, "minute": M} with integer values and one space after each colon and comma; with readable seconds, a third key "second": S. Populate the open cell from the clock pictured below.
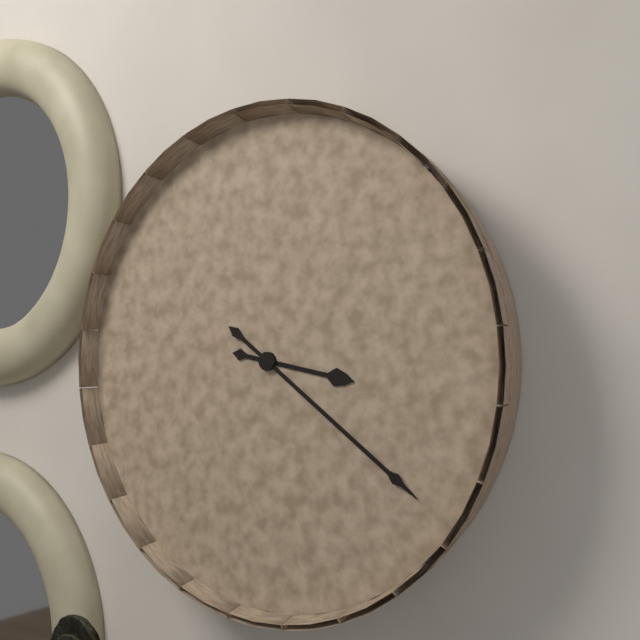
{"hour": 3, "minute": 21}
